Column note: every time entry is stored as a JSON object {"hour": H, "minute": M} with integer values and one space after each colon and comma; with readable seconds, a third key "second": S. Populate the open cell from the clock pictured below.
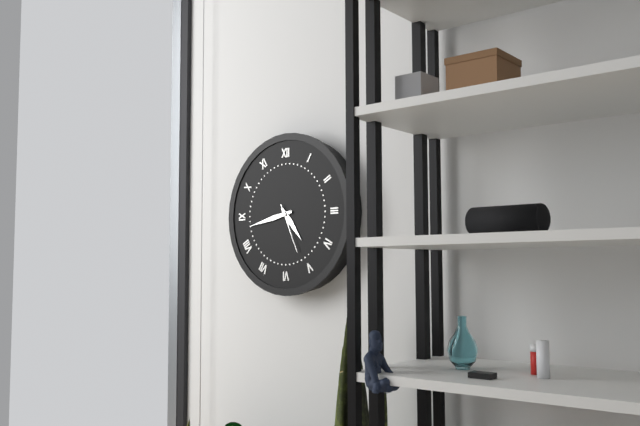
{"hour": 4, "minute": 43, "second": 26}
